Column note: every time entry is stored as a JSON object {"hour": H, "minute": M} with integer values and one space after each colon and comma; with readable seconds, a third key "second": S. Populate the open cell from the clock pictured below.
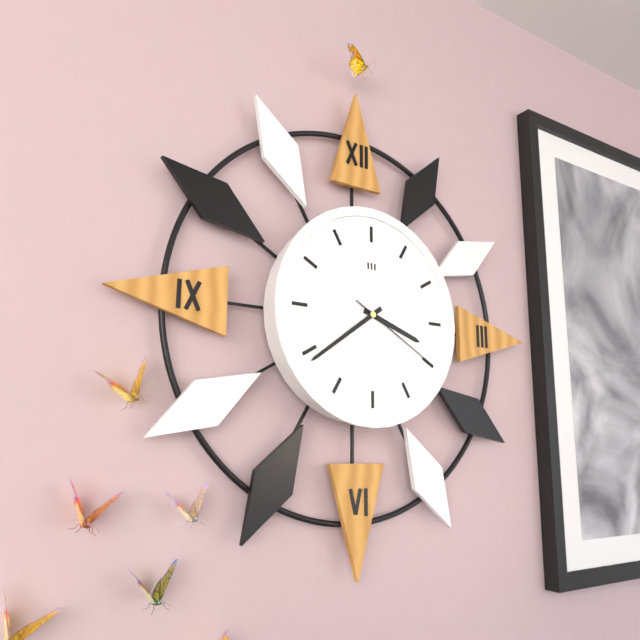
{"hour": 3, "minute": 39, "second": 20}
